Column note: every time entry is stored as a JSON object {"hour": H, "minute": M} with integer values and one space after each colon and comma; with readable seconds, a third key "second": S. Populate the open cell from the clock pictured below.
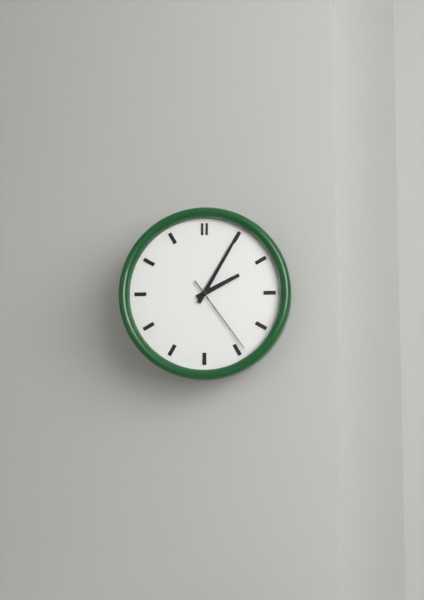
{"hour": 2, "minute": 5, "second": 24}
